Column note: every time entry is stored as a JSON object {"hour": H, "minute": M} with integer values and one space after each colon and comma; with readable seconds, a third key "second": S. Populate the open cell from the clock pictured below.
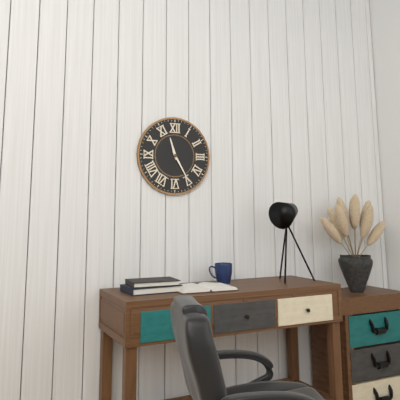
{"hour": 11, "minute": 25}
